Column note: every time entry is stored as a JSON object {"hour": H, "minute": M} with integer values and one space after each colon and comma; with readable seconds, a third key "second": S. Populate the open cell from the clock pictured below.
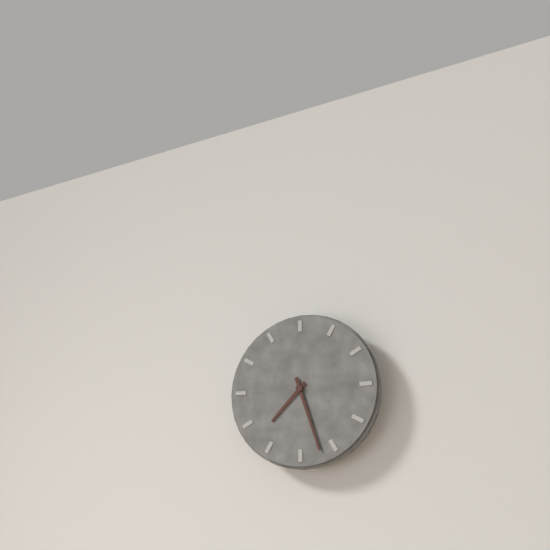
{"hour": 7, "minute": 27}
